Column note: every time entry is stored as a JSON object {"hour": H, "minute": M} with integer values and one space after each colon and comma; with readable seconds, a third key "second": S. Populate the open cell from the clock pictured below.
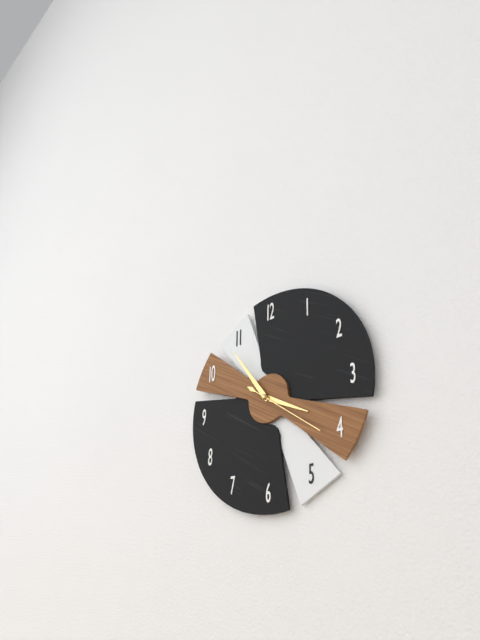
{"hour": 3, "minute": 54, "second": 21}
